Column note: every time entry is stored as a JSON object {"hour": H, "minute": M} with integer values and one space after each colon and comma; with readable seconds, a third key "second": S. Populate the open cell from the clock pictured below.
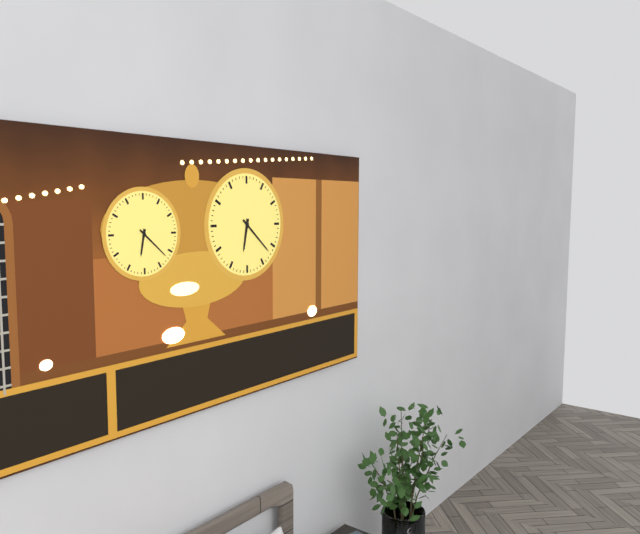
{"hour": 6, "minute": 22}
